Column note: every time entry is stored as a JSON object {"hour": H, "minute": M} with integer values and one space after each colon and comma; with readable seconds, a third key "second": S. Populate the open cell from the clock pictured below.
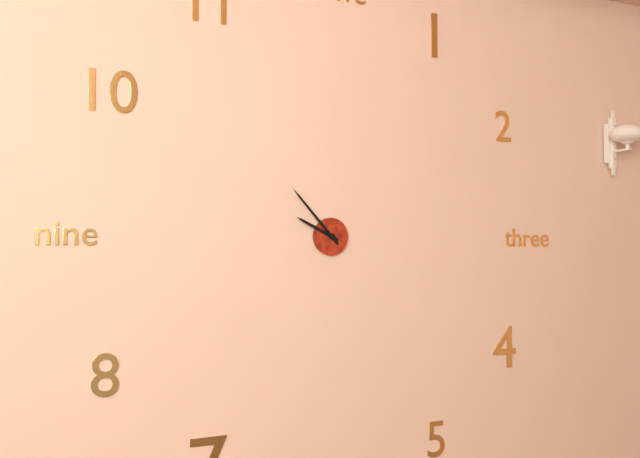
{"hour": 9, "minute": 53}
